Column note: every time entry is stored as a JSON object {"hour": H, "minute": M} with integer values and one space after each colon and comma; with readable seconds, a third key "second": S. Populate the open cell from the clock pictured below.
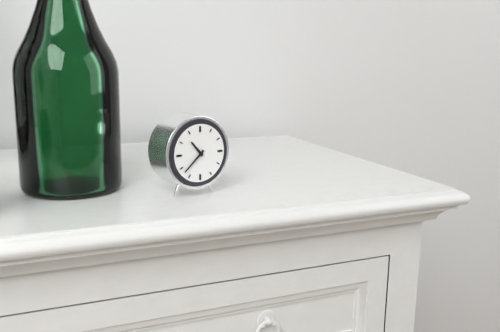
{"hour": 10, "minute": 38}
